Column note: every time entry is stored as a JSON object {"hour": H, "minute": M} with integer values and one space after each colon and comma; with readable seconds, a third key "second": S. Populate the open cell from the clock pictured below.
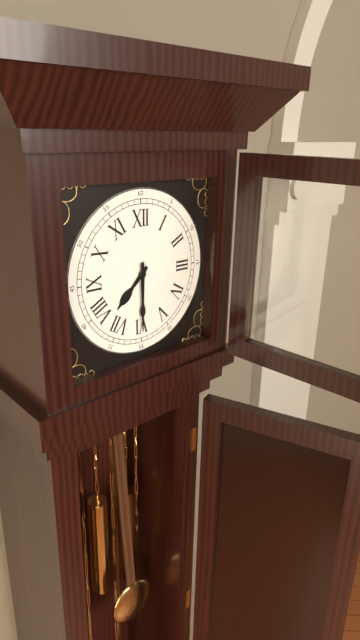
{"hour": 7, "minute": 30}
